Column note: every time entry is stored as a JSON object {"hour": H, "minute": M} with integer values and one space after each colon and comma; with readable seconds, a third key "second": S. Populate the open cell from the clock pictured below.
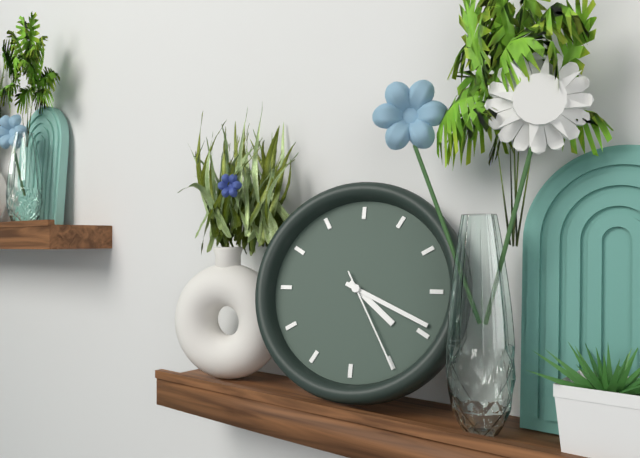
{"hour": 4, "minute": 19, "second": 25}
